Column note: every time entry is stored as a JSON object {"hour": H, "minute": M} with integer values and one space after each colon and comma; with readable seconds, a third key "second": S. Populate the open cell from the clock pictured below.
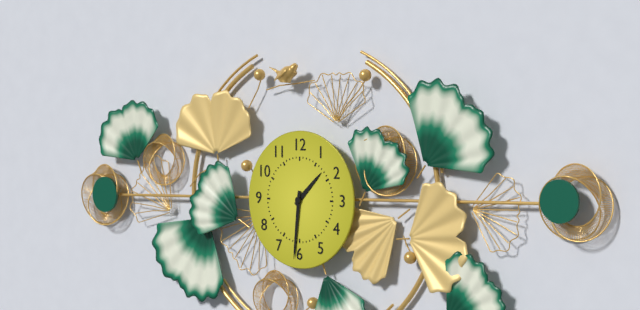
{"hour": 1, "minute": 31}
